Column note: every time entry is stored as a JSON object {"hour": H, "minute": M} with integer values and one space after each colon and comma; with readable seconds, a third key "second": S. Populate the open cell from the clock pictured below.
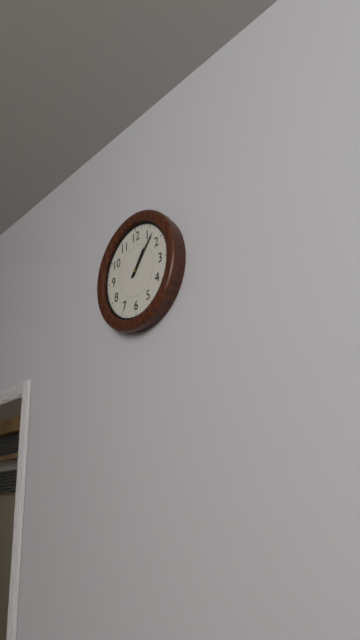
{"hour": 1, "minute": 7}
